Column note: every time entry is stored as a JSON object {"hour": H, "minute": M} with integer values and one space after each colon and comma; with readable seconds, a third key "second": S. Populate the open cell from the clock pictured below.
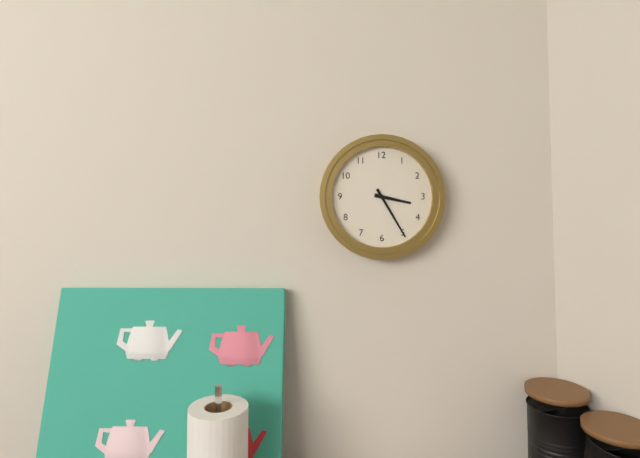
{"hour": 3, "minute": 25}
